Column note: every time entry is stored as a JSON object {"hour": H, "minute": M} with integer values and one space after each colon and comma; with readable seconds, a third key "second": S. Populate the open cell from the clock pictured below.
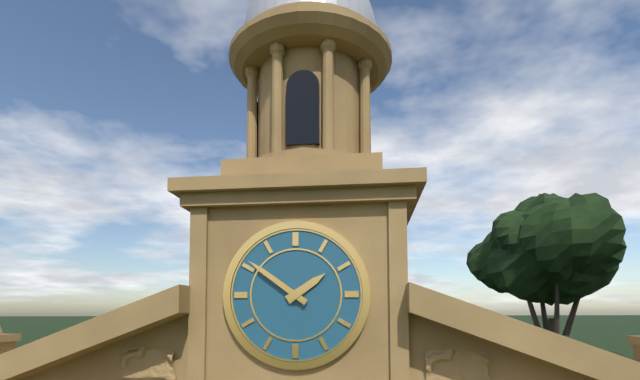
{"hour": 1, "minute": 51}
